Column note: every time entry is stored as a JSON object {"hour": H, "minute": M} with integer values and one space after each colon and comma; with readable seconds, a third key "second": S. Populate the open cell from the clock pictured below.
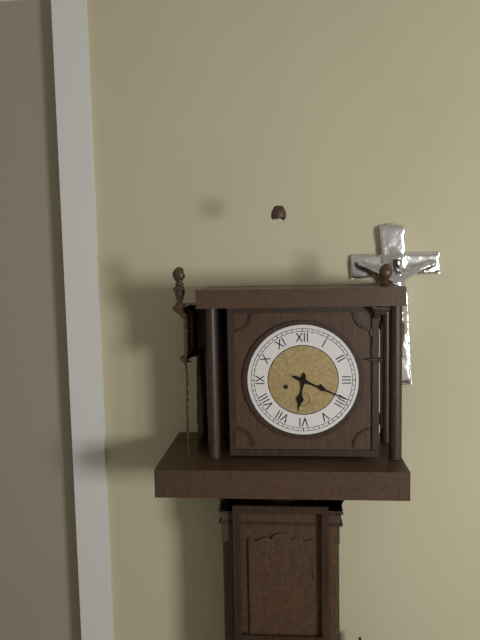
{"hour": 6, "minute": 19}
